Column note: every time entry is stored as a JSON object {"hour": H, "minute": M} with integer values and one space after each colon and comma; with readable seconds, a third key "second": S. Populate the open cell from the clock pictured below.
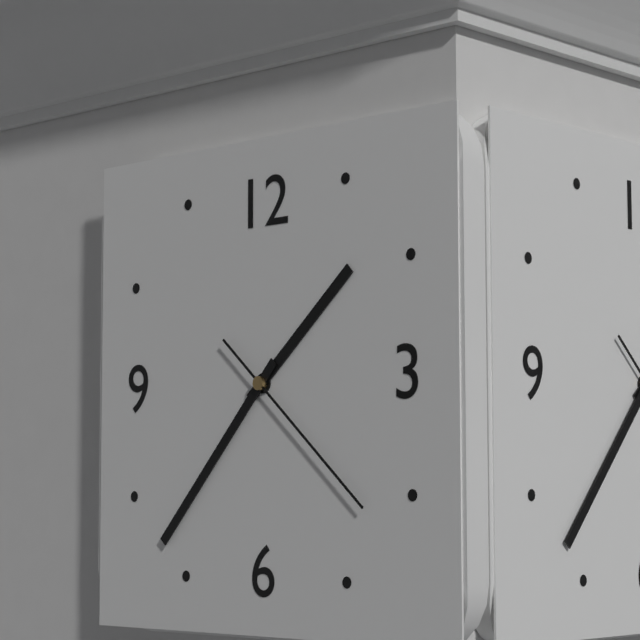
{"hour": 1, "minute": 37, "second": 22}
